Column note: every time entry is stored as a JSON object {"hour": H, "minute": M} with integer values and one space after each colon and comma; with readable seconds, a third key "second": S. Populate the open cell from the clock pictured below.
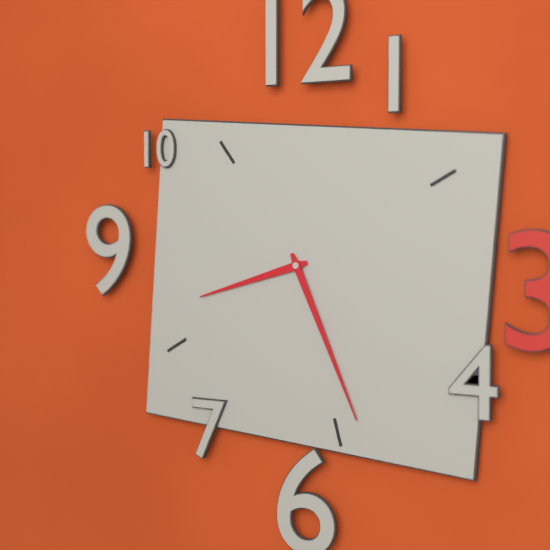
{"hour": 8, "minute": 26}
